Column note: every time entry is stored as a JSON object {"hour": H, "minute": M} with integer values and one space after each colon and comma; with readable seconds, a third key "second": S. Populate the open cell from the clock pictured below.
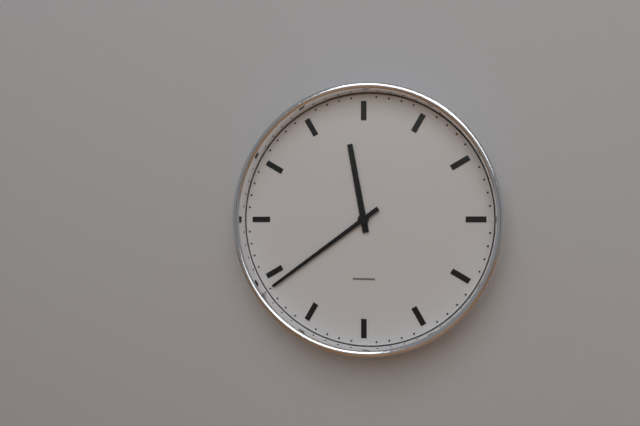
{"hour": 11, "minute": 39}
